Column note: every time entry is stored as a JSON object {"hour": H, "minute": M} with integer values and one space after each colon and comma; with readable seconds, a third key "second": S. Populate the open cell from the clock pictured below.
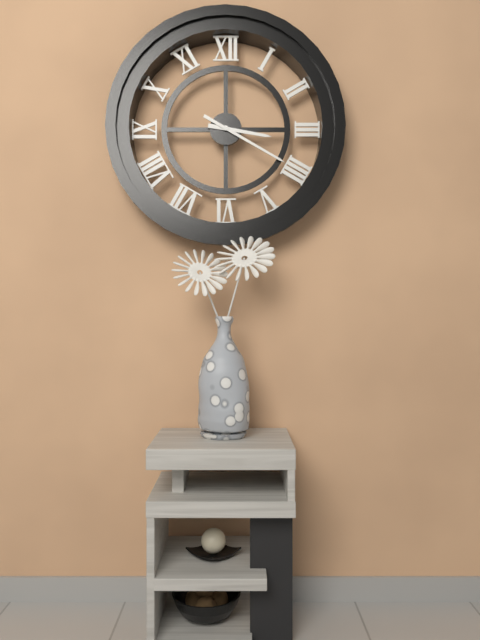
{"hour": 3, "minute": 20}
